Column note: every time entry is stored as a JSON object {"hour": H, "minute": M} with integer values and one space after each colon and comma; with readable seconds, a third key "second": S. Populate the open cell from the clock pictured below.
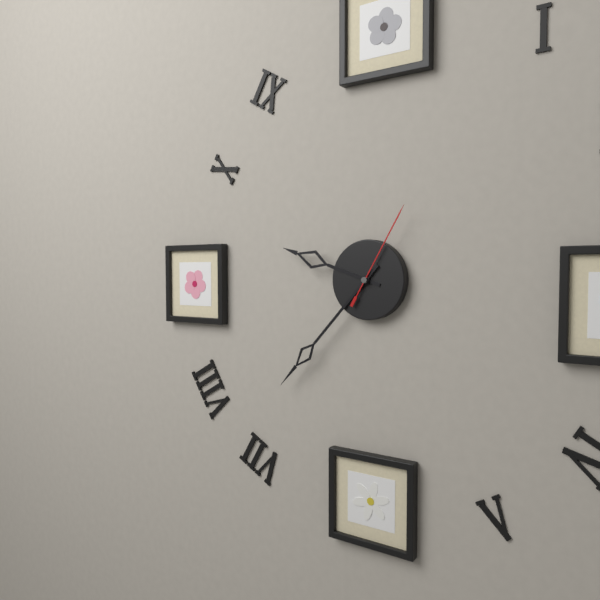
{"hour": 9, "minute": 37, "second": 5}
